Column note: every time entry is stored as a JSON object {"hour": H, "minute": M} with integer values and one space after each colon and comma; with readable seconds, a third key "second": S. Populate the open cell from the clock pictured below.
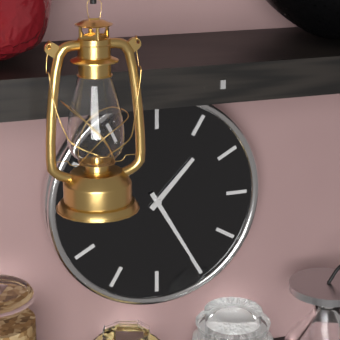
{"hour": 1, "minute": 25}
